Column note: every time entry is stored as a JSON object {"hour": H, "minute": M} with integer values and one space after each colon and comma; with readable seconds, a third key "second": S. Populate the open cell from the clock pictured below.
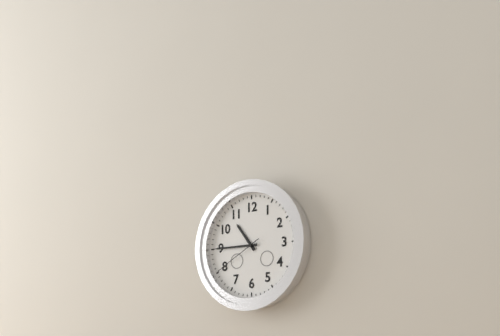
{"hour": 10, "minute": 45, "second": 40}
